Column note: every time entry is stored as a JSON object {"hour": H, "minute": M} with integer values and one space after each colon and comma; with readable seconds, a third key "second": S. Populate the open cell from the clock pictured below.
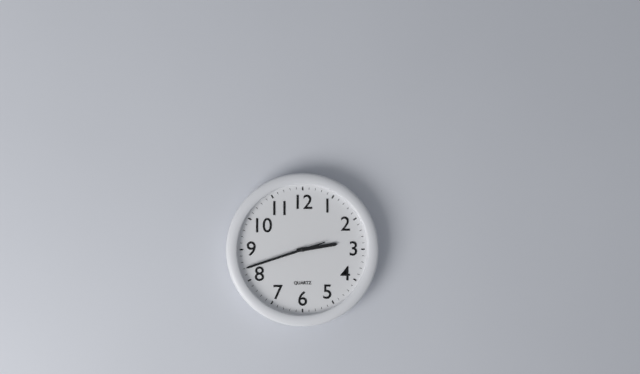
{"hour": 2, "minute": 42}
